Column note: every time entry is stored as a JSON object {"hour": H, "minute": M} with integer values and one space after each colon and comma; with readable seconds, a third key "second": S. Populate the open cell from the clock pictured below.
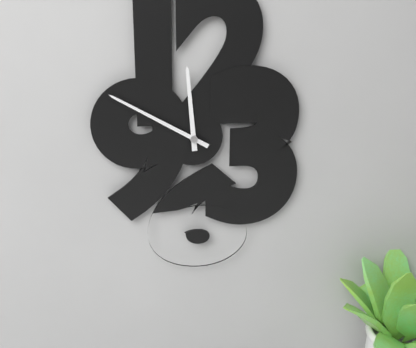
{"hour": 11, "minute": 50}
